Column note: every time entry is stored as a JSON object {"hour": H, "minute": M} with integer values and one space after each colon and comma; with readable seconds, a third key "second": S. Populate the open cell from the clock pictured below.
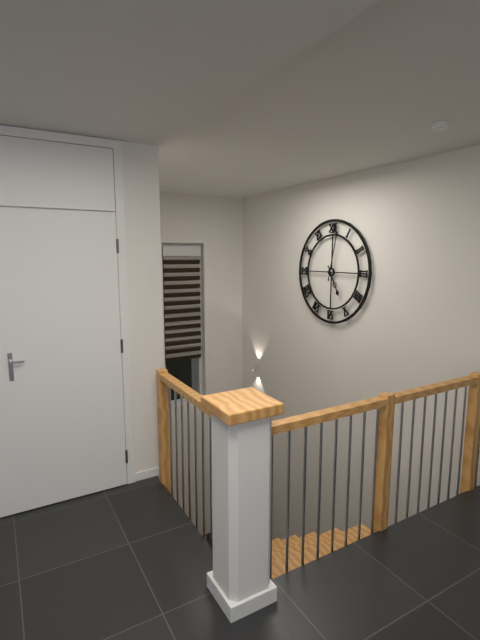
{"hour": 5, "minute": 2}
